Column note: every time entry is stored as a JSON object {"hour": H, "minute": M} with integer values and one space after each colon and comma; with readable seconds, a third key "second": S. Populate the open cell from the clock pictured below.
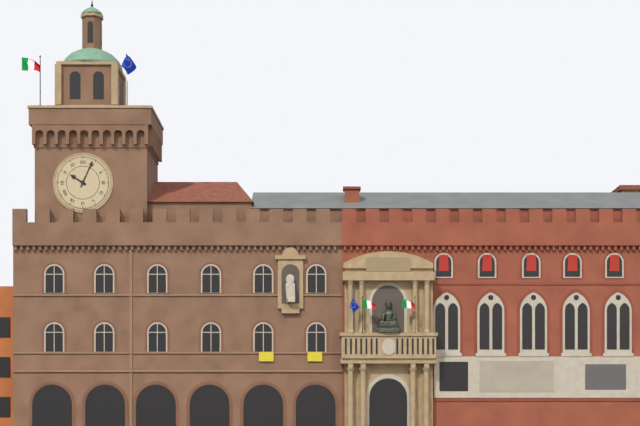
{"hour": 10, "minute": 4}
